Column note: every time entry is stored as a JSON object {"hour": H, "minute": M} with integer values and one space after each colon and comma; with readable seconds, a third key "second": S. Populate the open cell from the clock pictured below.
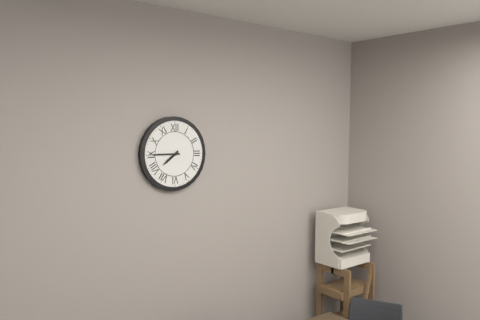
{"hour": 7, "minute": 45}
